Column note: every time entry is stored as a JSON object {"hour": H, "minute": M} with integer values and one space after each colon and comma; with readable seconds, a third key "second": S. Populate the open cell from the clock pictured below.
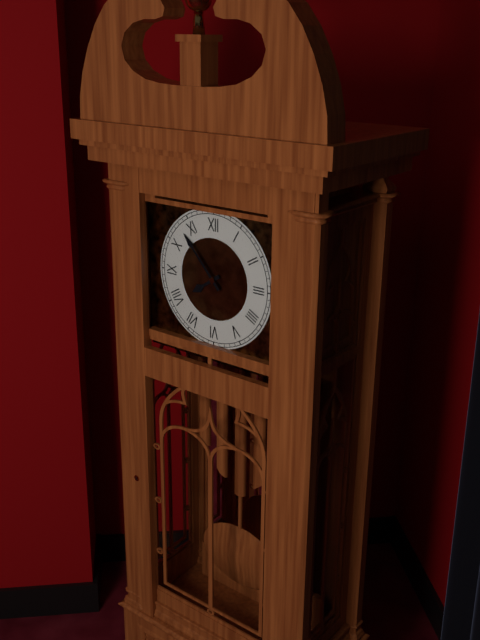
{"hour": 7, "minute": 53}
